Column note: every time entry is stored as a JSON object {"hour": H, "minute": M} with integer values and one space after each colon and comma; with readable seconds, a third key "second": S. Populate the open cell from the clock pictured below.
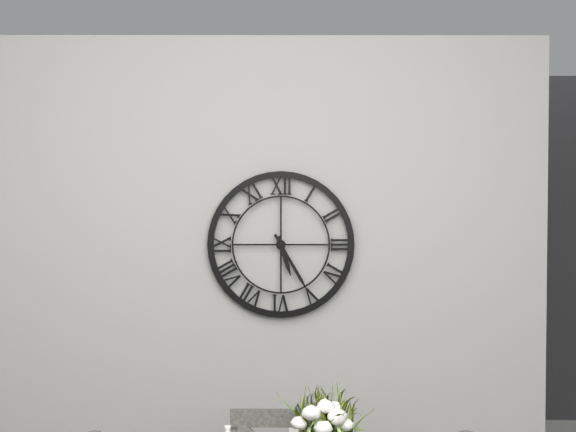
{"hour": 5, "minute": 25}
